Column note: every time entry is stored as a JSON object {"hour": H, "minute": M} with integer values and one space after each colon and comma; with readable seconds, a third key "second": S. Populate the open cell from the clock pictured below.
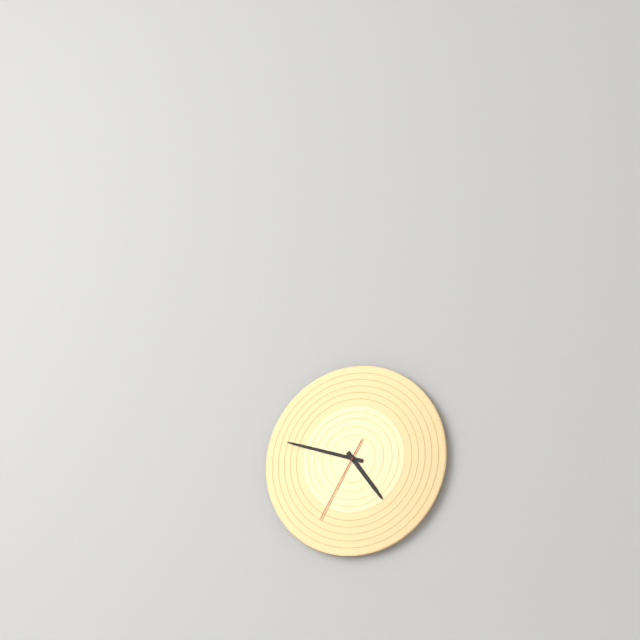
{"hour": 4, "minute": 48, "second": 35}
